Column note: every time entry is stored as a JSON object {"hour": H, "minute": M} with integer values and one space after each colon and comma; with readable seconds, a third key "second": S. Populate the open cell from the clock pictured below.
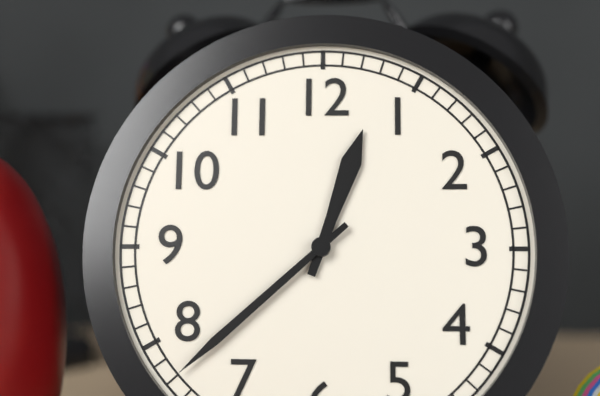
{"hour": 12, "minute": 38}
